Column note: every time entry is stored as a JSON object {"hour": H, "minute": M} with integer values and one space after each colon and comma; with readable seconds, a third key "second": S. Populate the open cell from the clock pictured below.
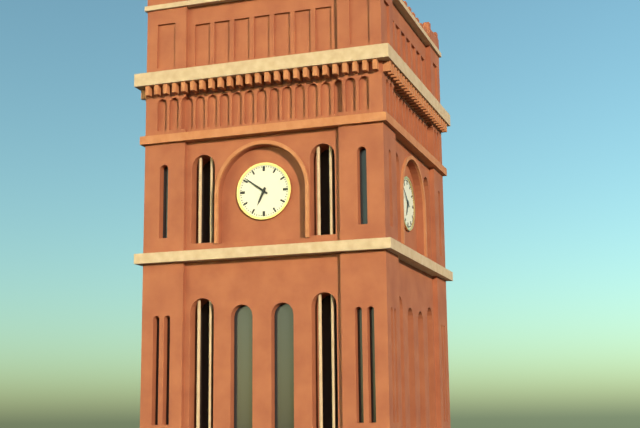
{"hour": 6, "minute": 51}
